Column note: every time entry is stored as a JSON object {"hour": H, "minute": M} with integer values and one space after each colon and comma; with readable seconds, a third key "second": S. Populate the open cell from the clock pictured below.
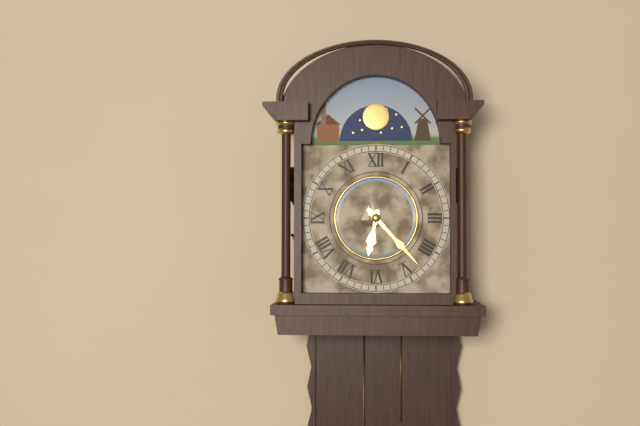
{"hour": 6, "minute": 23}
